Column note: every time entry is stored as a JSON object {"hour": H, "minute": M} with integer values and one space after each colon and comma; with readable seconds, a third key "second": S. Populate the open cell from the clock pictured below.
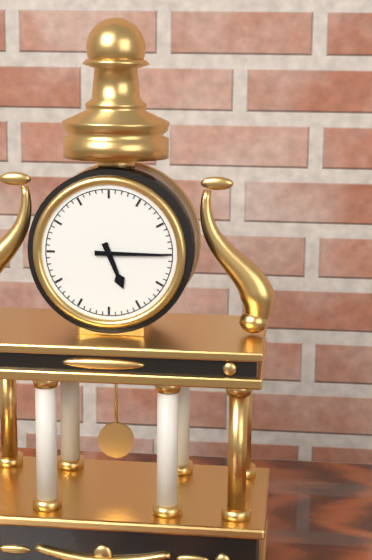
{"hour": 5, "minute": 15}
